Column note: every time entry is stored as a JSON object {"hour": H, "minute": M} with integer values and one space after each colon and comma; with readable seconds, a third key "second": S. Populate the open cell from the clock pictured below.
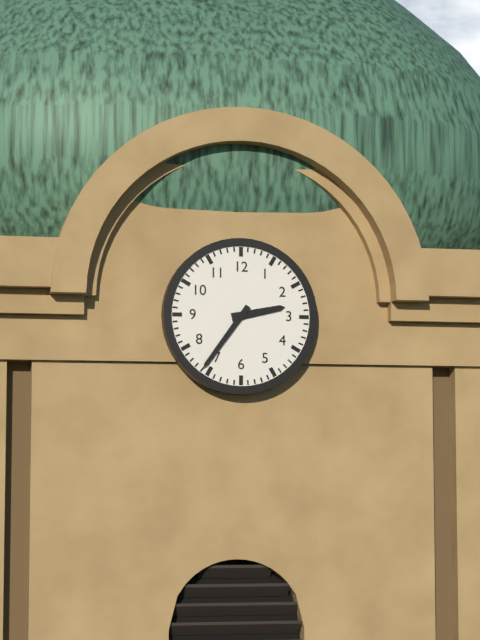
{"hour": 2, "minute": 36}
